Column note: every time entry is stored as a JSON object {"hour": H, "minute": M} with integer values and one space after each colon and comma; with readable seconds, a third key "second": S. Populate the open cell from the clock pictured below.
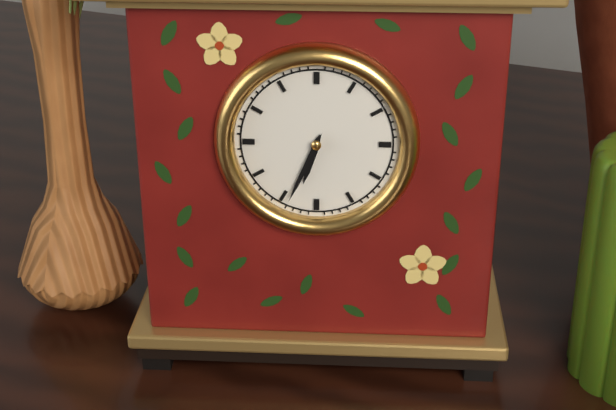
{"hour": 6, "minute": 34}
